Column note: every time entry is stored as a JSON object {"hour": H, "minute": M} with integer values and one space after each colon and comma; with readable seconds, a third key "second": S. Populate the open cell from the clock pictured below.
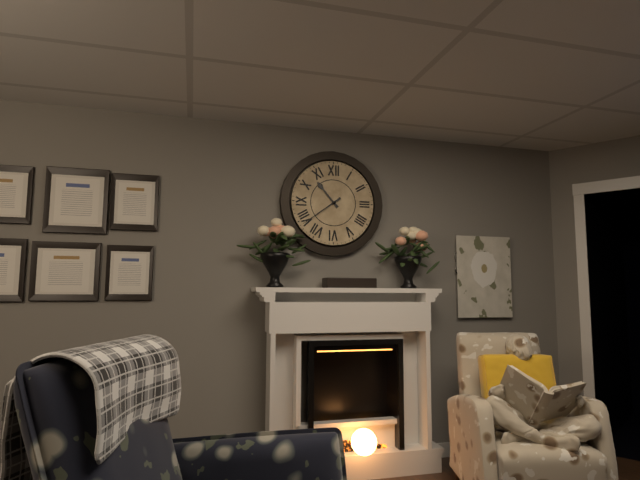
{"hour": 10, "minute": 39}
